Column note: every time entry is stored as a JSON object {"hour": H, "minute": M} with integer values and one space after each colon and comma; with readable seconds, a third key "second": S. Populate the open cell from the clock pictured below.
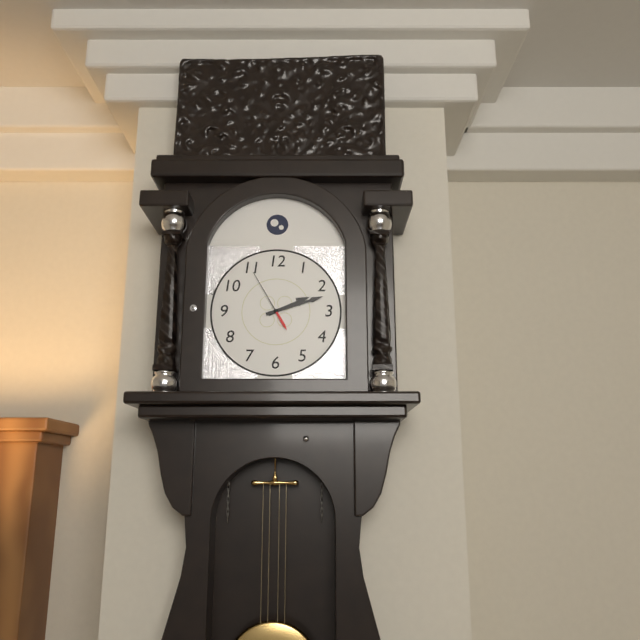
{"hour": 2, "minute": 12, "second": 55}
